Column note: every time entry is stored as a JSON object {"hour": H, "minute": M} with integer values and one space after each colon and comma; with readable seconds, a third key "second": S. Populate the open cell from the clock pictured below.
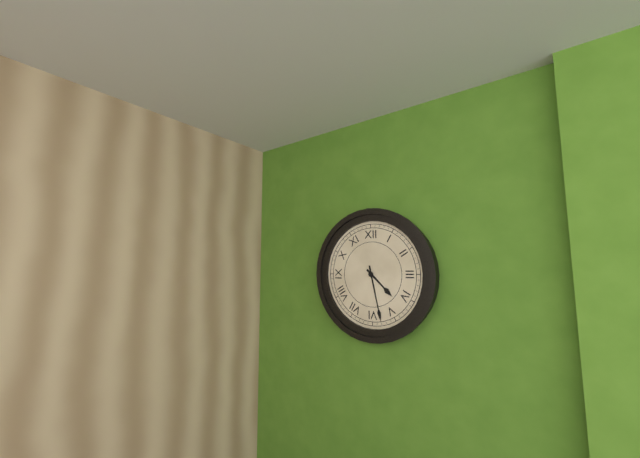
{"hour": 4, "minute": 28}
